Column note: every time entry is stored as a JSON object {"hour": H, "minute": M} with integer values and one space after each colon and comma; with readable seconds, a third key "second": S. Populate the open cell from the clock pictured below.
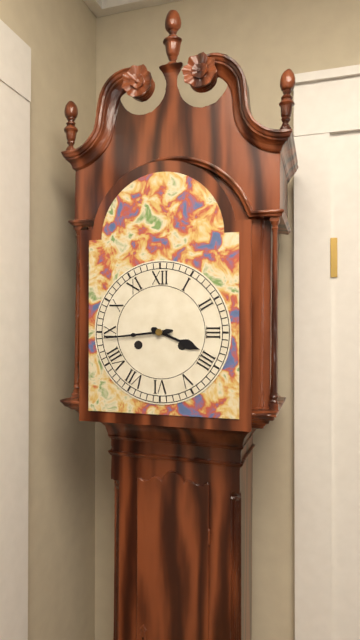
{"hour": 3, "minute": 44}
